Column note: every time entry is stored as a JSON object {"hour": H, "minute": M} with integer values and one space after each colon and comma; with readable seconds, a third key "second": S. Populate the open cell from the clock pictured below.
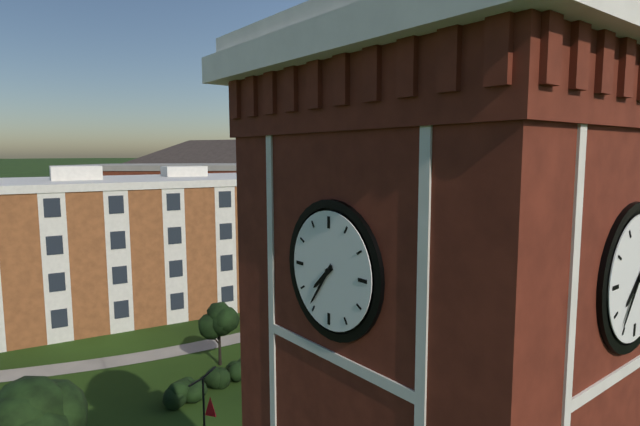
{"hour": 7, "minute": 36}
